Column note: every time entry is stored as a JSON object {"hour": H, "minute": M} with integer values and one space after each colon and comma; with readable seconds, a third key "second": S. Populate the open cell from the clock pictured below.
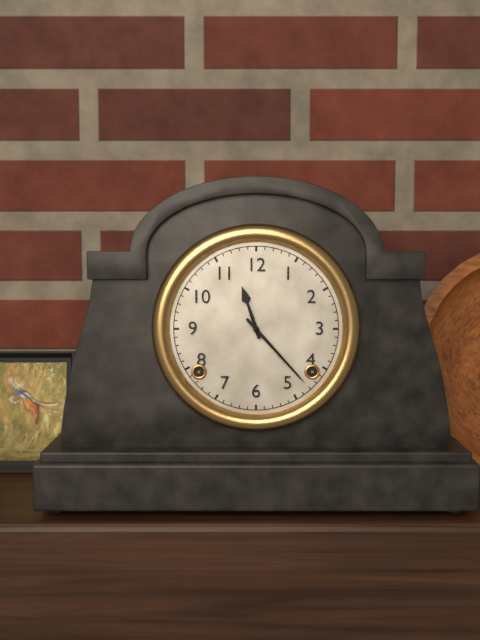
{"hour": 11, "minute": 23}
